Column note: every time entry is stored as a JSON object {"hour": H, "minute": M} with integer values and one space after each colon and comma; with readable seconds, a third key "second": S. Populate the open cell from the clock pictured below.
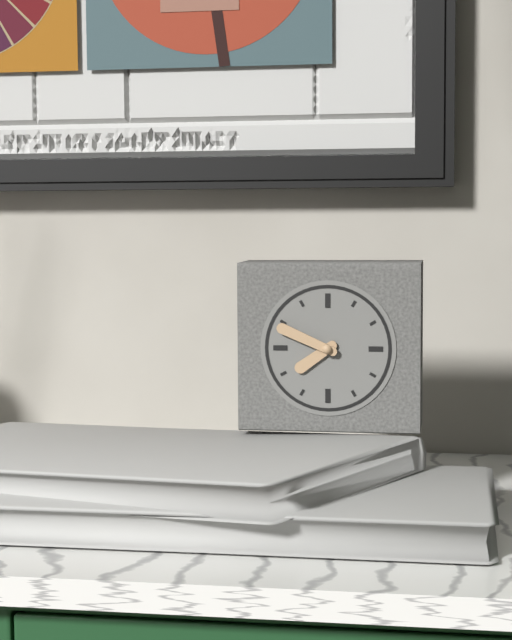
{"hour": 7, "minute": 49}
